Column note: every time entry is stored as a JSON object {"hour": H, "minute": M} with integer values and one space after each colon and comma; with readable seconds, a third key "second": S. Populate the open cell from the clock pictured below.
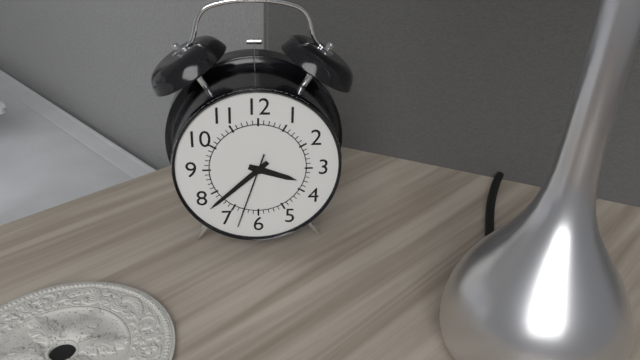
{"hour": 3, "minute": 38, "second": 33}
